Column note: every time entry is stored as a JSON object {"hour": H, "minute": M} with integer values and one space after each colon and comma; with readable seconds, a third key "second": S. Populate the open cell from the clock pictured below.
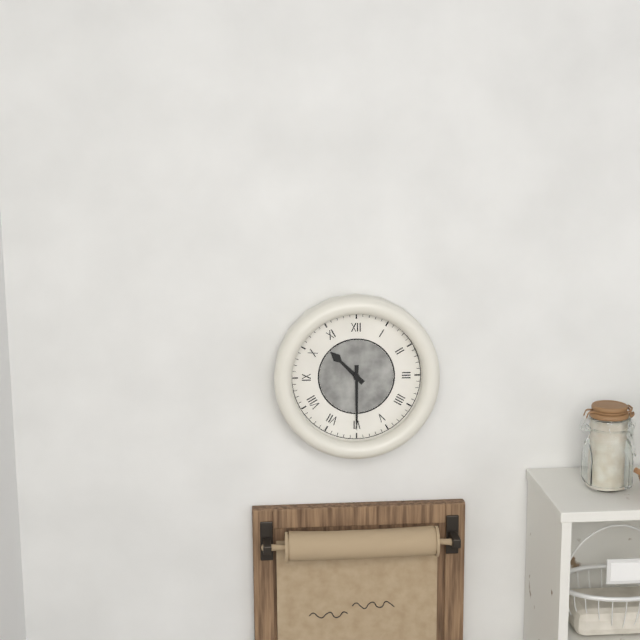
{"hour": 10, "minute": 30}
